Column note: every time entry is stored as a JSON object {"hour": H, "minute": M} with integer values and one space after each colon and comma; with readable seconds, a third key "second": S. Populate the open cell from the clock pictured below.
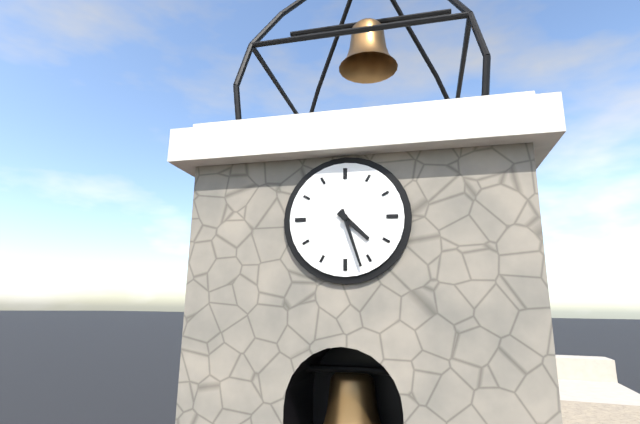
{"hour": 4, "minute": 27}
